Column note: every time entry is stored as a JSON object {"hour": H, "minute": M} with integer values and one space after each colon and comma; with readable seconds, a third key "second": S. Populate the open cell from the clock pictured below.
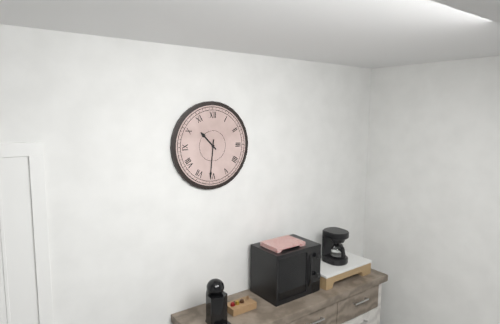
{"hour": 10, "minute": 31}
